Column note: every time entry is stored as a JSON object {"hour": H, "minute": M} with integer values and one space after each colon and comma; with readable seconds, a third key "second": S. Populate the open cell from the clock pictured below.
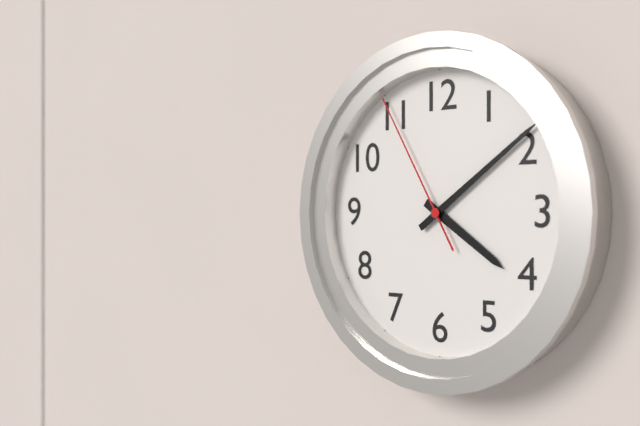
{"hour": 4, "minute": 9, "second": 55}
